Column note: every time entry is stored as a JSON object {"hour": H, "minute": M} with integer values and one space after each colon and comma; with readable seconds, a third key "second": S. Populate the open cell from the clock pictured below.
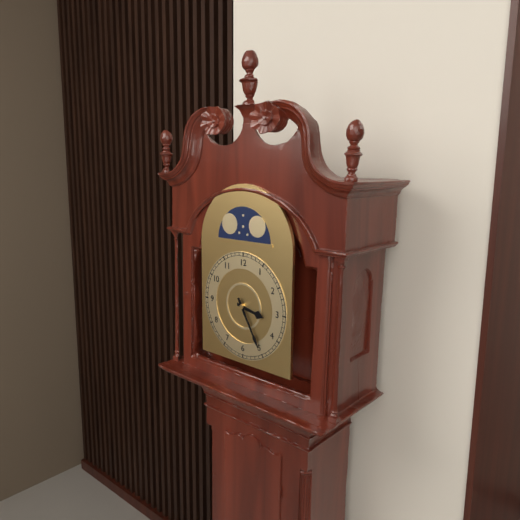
{"hour": 3, "minute": 25}
